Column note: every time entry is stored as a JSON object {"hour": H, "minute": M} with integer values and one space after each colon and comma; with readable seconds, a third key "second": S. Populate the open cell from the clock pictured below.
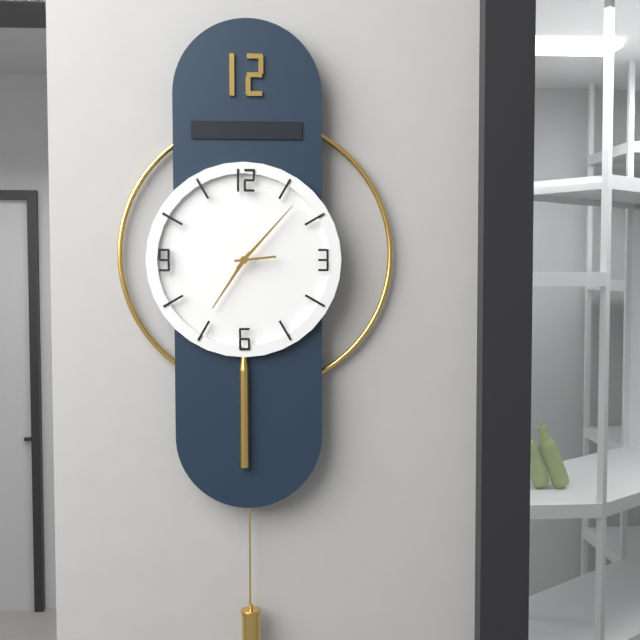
{"hour": 7, "minute": 7}
